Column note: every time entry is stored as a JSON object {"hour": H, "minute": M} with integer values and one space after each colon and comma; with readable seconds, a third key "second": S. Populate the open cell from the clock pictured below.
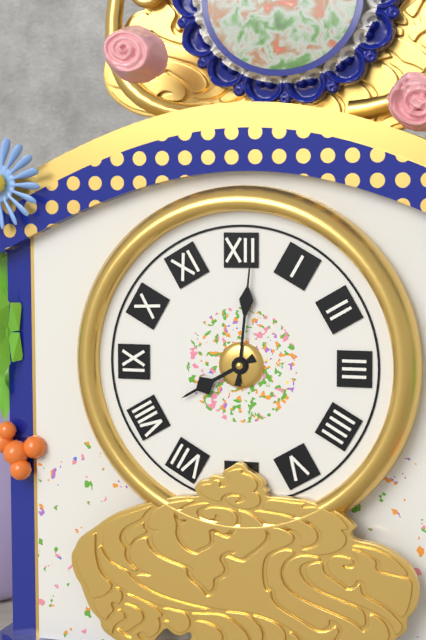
{"hour": 8, "minute": 1}
